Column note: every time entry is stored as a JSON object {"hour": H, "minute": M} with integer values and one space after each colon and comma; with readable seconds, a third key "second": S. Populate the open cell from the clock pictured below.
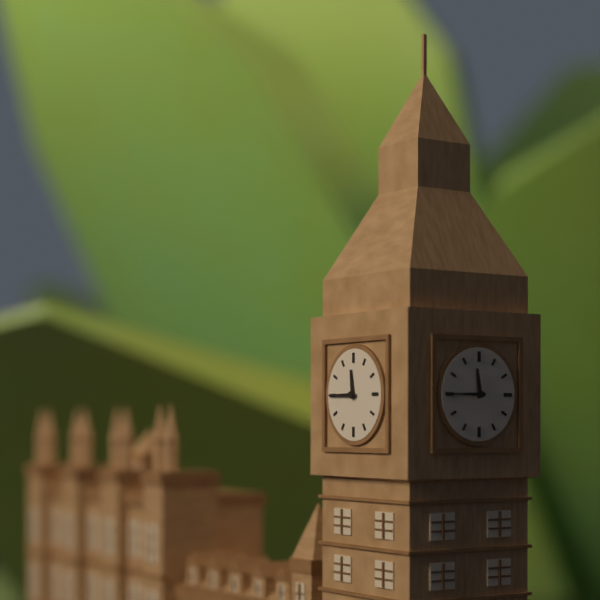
{"hour": 11, "minute": 45}
